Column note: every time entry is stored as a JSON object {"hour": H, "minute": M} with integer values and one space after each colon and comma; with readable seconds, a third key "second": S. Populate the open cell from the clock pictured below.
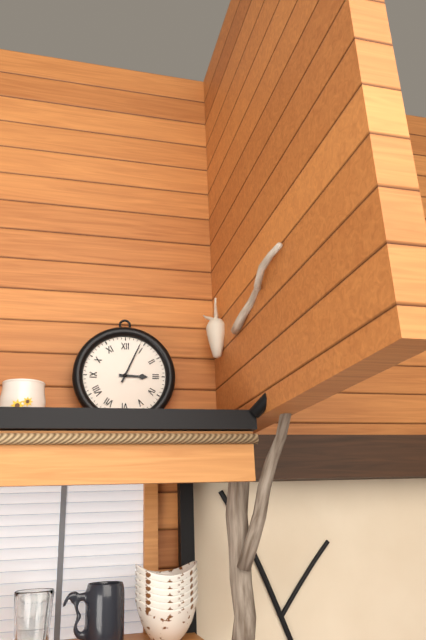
{"hour": 3, "minute": 4}
